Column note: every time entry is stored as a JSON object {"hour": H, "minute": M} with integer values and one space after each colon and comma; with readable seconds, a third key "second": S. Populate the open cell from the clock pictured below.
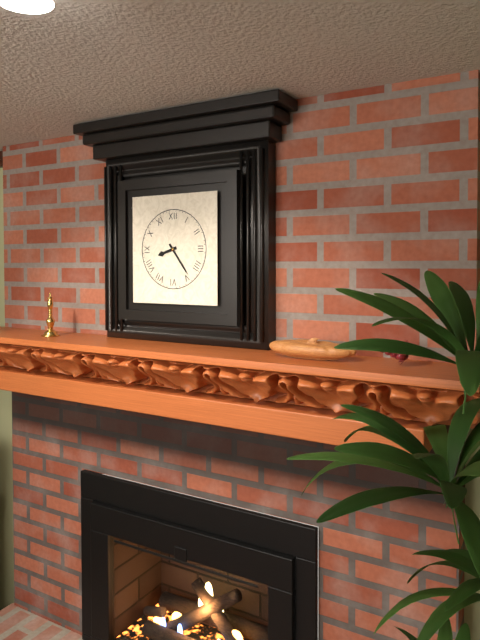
{"hour": 8, "minute": 24}
